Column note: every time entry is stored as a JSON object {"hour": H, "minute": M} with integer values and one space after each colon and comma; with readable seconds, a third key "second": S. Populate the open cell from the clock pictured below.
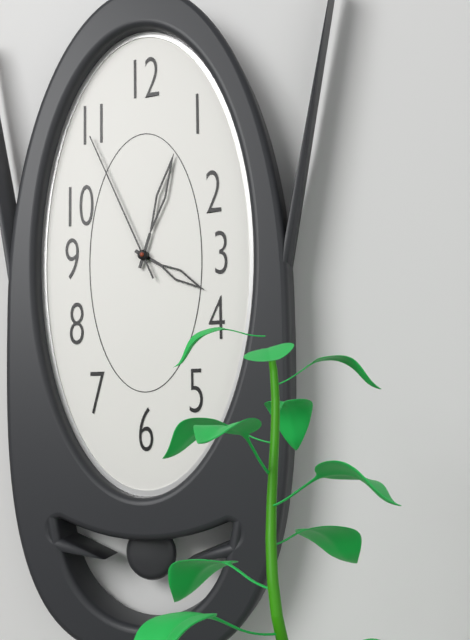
{"hour": 4, "minute": 3, "second": 56}
